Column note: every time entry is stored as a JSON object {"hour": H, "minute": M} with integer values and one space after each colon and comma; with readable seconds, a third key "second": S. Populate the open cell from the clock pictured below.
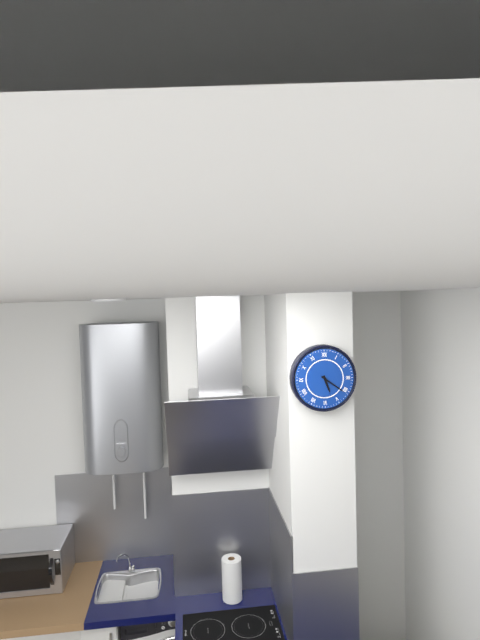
{"hour": 5, "minute": 21}
